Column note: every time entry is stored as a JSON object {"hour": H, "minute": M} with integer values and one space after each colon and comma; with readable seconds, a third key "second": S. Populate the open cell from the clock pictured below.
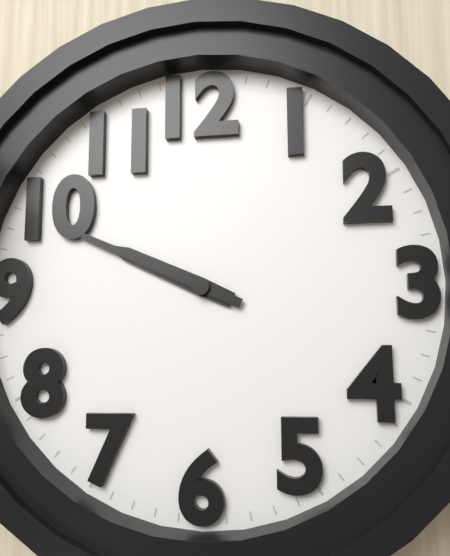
{"hour": 9, "minute": 49}
